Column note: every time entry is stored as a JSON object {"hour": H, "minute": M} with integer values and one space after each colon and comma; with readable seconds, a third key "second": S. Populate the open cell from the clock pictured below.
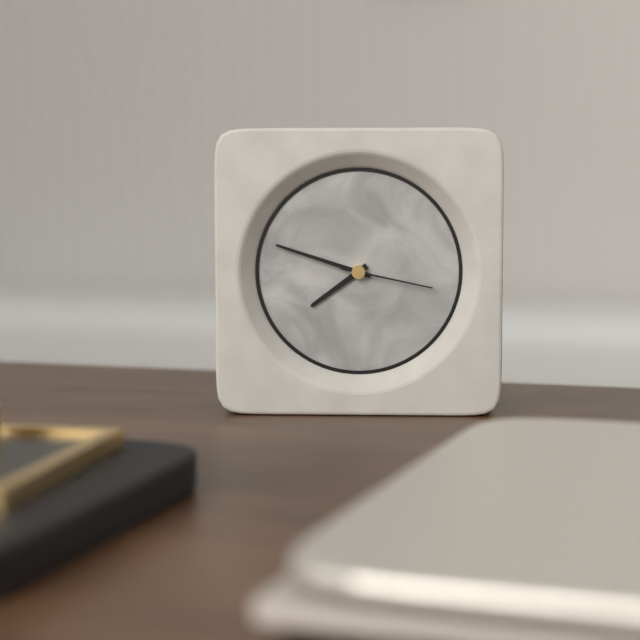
{"hour": 7, "minute": 48, "second": 17}
